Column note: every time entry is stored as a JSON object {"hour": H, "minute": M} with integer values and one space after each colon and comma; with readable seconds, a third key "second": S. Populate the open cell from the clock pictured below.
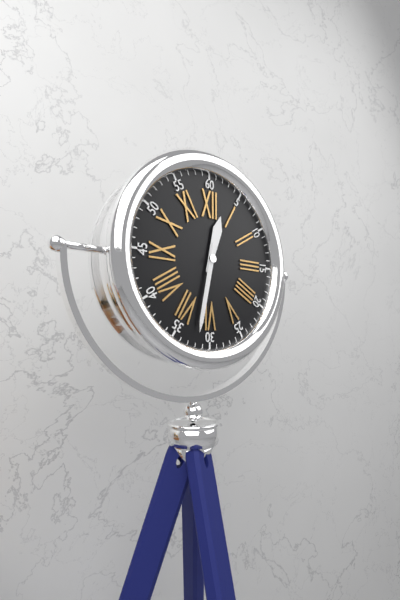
{"hour": 12, "minute": 32}
